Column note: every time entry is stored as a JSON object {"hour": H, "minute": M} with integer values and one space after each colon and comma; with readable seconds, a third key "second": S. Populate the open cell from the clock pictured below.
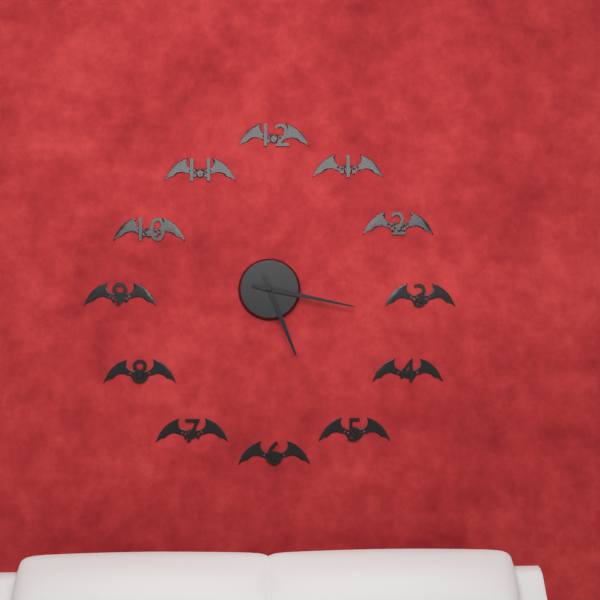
{"hour": 5, "minute": 17}
